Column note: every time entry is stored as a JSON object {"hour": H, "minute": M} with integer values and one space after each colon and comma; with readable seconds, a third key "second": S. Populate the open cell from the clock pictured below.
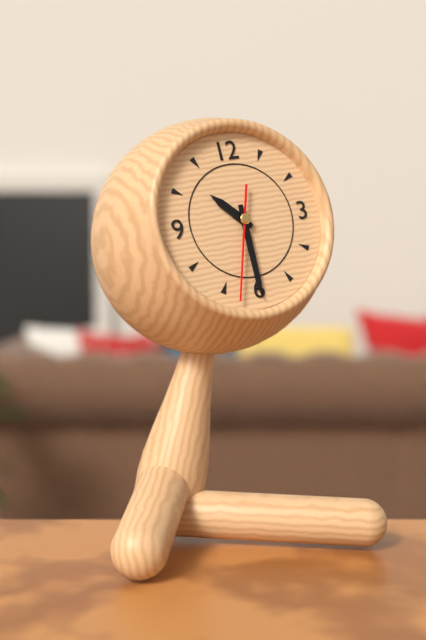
{"hour": 10, "minute": 30, "second": 33}
